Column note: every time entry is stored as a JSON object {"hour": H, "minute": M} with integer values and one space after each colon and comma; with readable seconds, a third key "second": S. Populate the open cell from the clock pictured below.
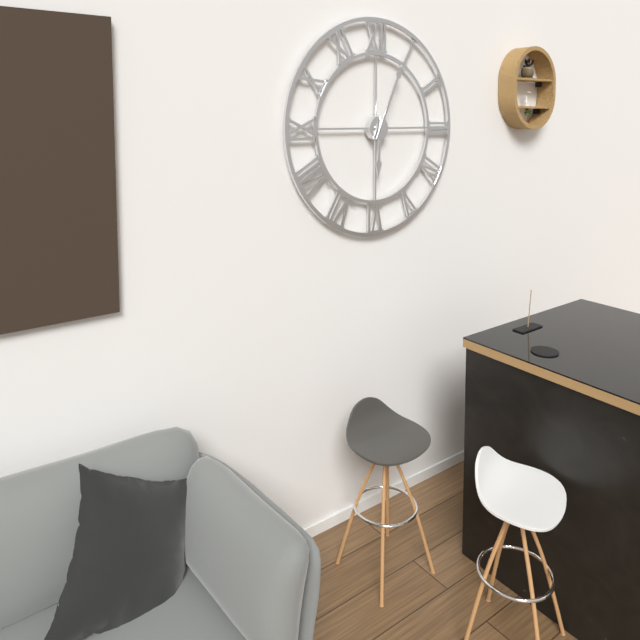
{"hour": 6, "minute": 4}
